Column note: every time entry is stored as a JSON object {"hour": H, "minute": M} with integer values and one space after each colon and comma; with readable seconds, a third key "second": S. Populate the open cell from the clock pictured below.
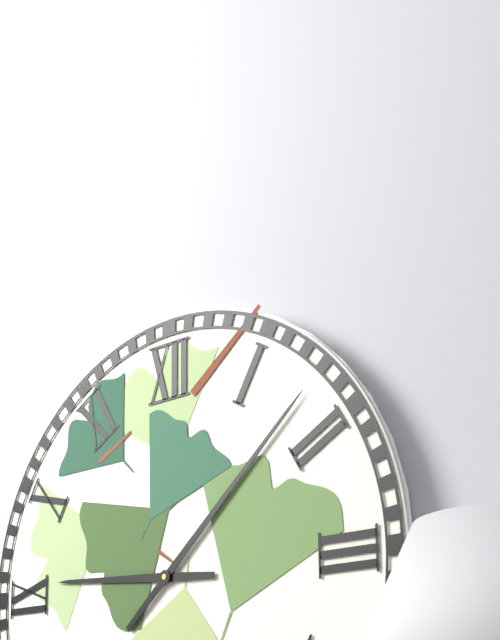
{"hour": 9, "minute": 8}
